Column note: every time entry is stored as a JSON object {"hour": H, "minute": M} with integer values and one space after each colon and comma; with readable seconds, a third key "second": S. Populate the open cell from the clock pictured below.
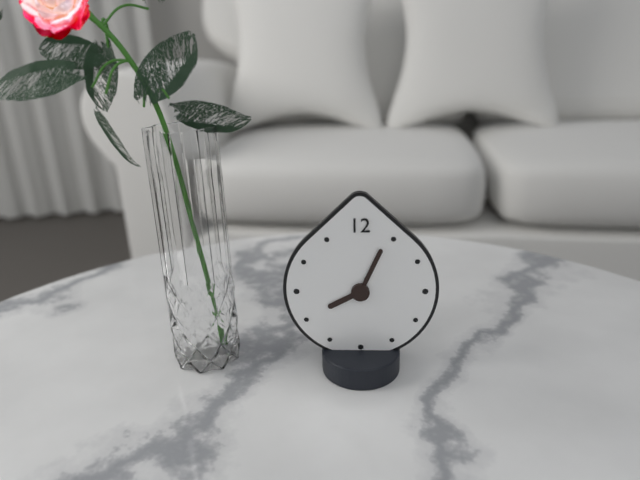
{"hour": 8, "minute": 4}
